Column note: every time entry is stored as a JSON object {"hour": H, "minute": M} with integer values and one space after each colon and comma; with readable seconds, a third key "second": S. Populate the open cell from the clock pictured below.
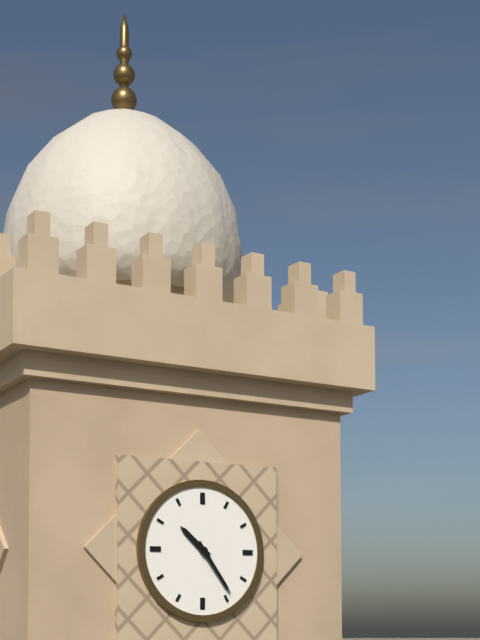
{"hour": 10, "minute": 24}
